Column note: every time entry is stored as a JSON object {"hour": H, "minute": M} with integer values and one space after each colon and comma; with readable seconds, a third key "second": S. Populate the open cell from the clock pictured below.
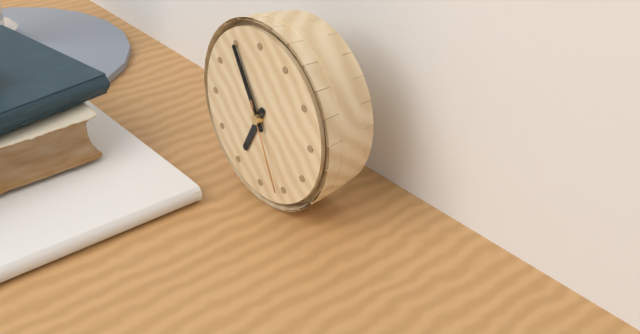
{"hour": 6, "minute": 55, "second": 26}
